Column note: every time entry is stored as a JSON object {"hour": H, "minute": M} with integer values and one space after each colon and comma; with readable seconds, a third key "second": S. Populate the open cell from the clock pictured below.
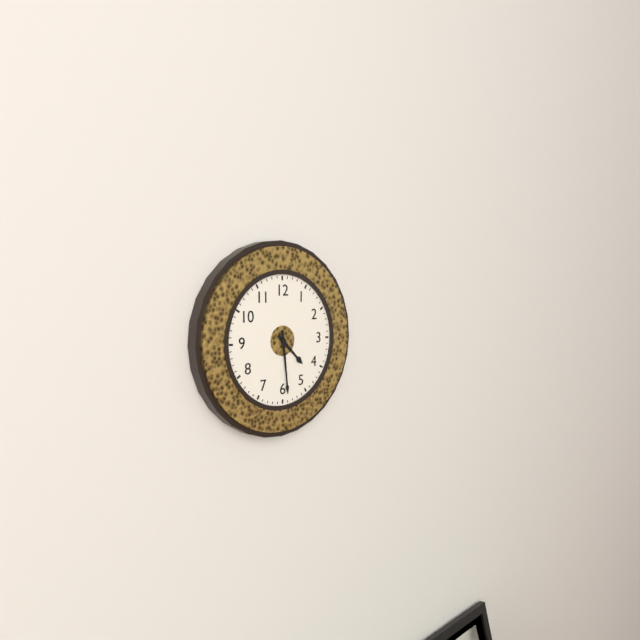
{"hour": 4, "minute": 29}
